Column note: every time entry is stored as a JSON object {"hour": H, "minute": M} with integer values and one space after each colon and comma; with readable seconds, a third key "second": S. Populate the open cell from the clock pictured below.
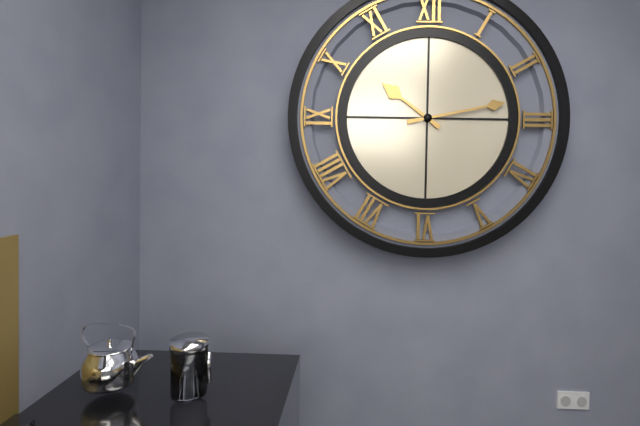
{"hour": 10, "minute": 13}
